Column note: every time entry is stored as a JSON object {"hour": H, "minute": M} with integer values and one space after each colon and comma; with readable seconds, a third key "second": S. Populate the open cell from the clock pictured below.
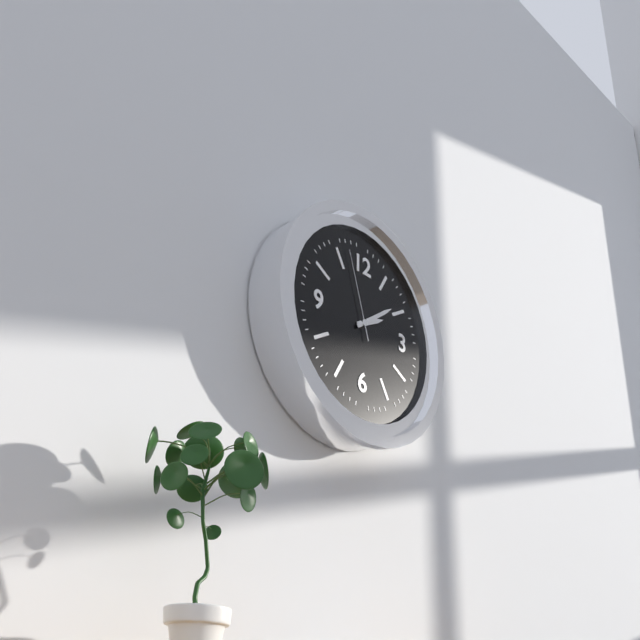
{"hour": 2, "minute": 9, "second": 57}
